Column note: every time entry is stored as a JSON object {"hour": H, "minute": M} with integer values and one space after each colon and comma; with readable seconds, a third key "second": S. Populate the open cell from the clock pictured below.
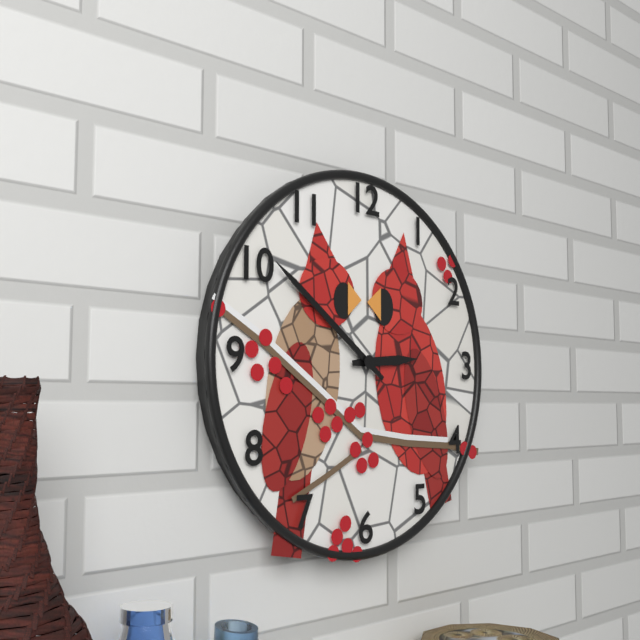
{"hour": 2, "minute": 51}
